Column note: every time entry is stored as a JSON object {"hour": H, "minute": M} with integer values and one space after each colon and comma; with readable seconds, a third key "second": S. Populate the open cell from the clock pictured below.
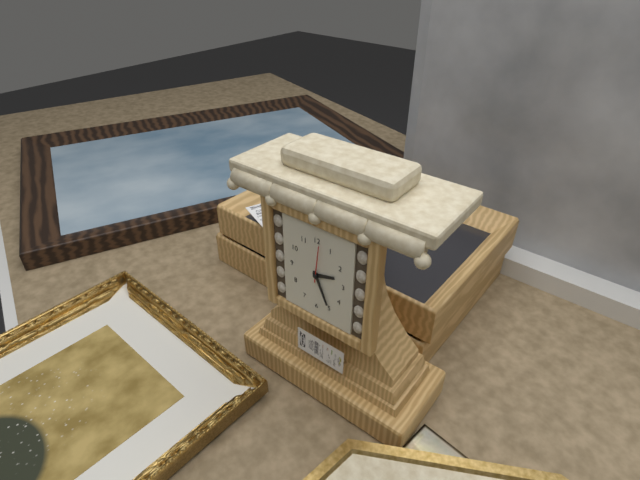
{"hour": 2, "minute": 26}
